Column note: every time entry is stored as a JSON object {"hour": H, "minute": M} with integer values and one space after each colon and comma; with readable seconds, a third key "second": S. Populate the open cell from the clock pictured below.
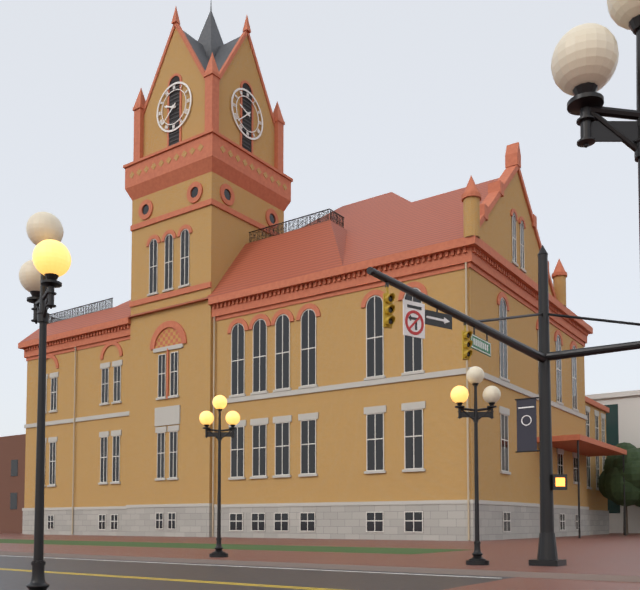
{"hour": 9, "minute": 38}
